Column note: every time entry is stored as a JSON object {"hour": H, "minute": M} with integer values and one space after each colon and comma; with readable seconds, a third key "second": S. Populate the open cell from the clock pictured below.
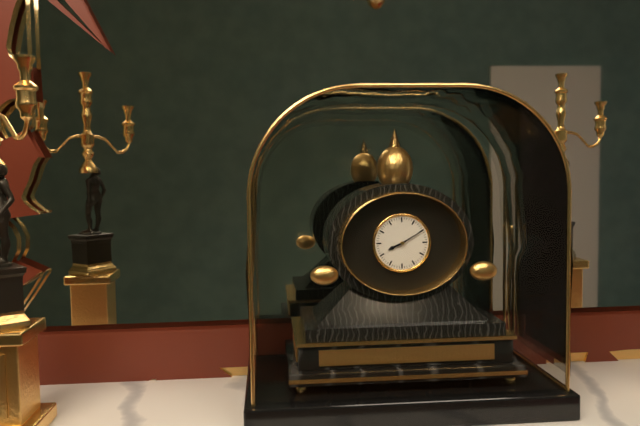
{"hour": 8, "minute": 10}
